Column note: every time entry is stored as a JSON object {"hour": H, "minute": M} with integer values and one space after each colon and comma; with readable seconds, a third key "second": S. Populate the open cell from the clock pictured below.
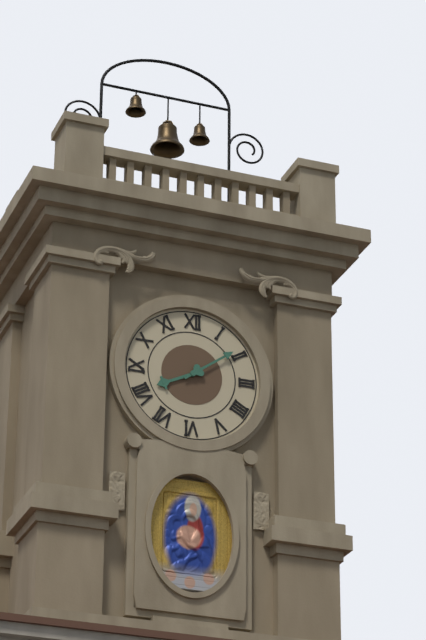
{"hour": 8, "minute": 9}
